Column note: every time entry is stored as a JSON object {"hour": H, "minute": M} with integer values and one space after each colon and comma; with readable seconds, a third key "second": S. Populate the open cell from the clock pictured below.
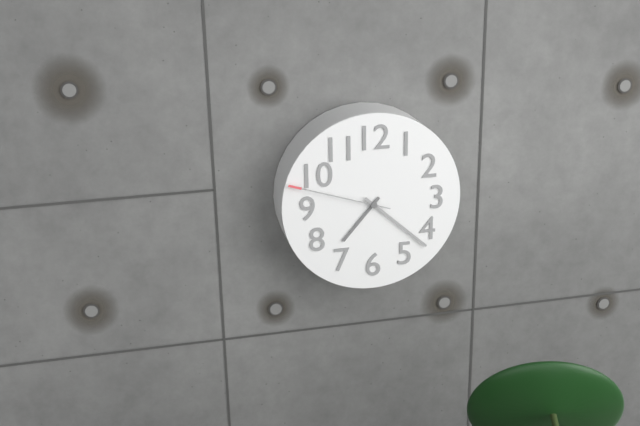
{"hour": 7, "minute": 22, "second": 48}
